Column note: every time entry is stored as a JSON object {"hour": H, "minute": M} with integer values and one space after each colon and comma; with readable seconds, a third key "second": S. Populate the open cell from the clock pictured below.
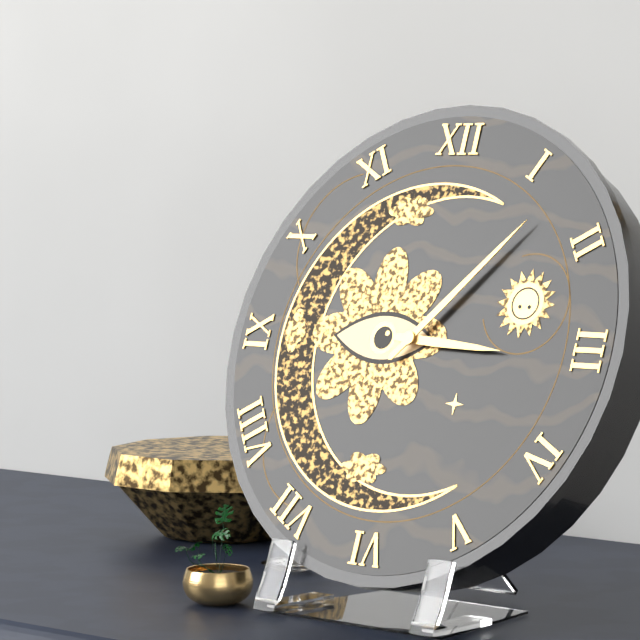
{"hour": 3, "minute": 7}
